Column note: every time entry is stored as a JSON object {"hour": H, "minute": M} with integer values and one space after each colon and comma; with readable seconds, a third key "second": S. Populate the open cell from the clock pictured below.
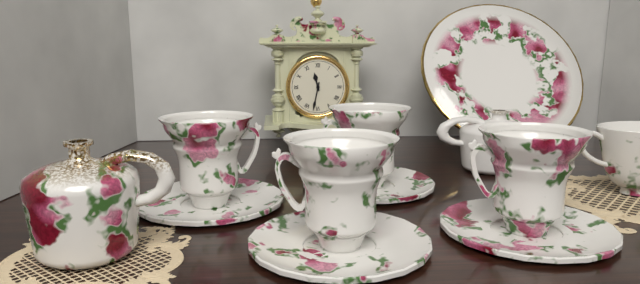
{"hour": 11, "minute": 32}
